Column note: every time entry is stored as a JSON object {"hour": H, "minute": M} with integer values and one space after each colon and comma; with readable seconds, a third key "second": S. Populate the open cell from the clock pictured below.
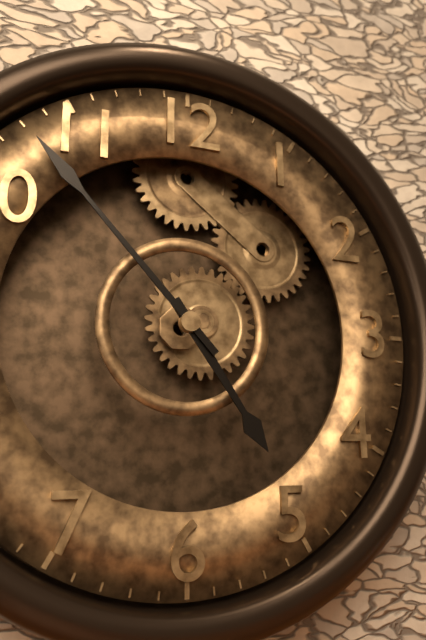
{"hour": 4, "minute": 53}
